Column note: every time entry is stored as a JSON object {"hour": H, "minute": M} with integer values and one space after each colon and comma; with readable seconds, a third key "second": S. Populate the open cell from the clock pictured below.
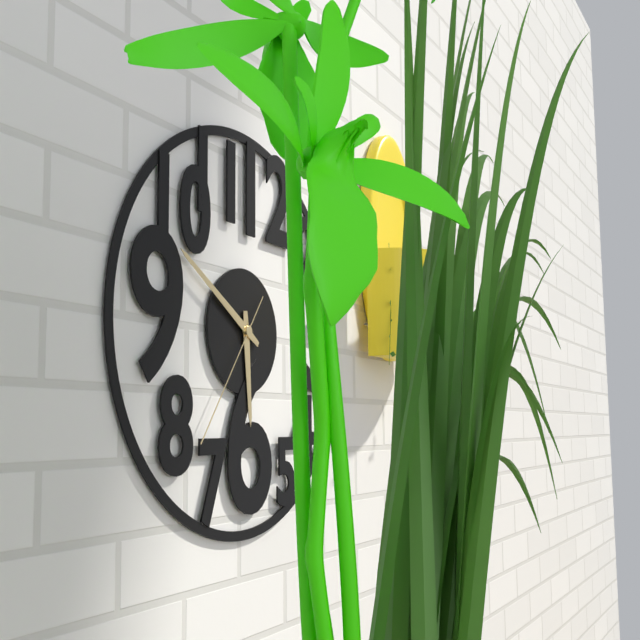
{"hour": 5, "minute": 50, "second": 36}
